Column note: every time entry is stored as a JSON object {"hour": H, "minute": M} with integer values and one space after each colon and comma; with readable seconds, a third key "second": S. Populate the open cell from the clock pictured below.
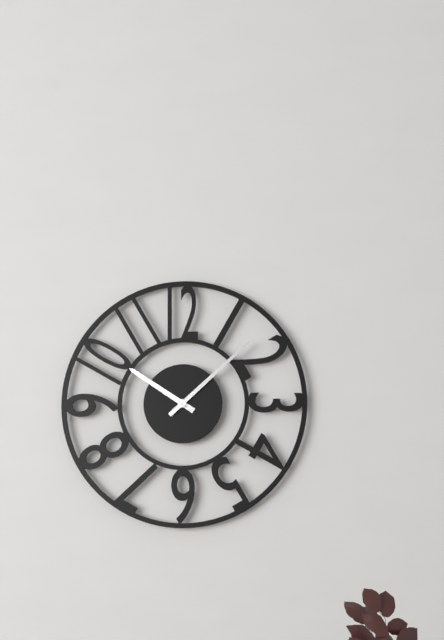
{"hour": 10, "minute": 8}
